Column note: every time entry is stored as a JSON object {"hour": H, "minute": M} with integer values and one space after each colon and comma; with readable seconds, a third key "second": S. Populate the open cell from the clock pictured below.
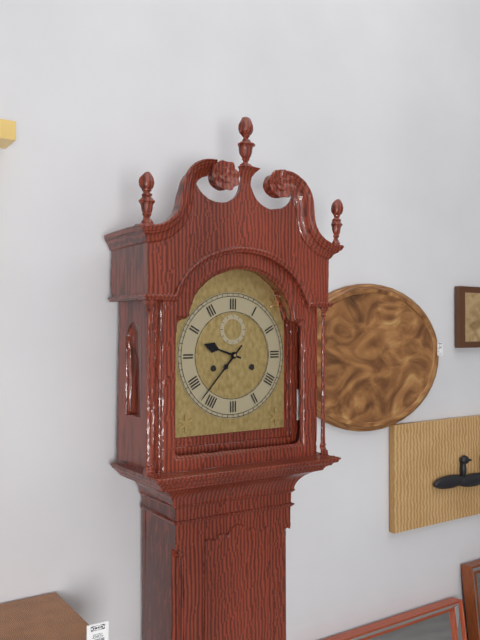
{"hour": 9, "minute": 37}
